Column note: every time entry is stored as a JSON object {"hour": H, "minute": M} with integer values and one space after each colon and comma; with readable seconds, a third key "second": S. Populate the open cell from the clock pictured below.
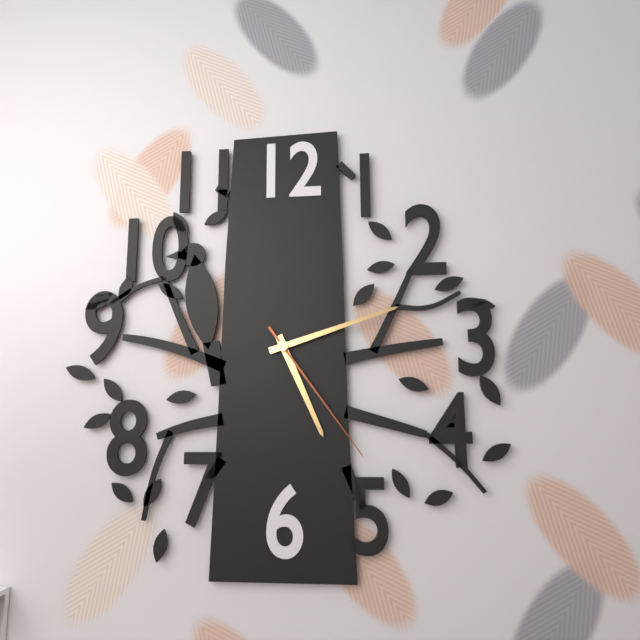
{"hour": 5, "minute": 12, "second": 24}
